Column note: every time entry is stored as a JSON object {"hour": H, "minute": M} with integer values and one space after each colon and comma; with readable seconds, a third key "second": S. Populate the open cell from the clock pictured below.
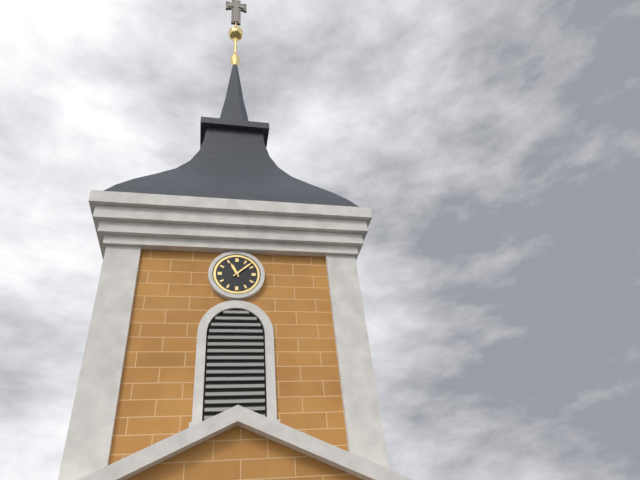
{"hour": 11, "minute": 8}
